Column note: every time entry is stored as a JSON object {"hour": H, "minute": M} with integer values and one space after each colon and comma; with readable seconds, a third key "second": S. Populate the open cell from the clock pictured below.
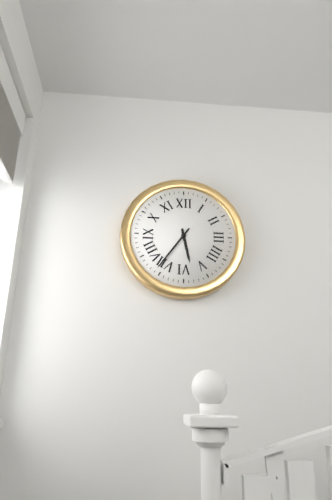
{"hour": 5, "minute": 36}
